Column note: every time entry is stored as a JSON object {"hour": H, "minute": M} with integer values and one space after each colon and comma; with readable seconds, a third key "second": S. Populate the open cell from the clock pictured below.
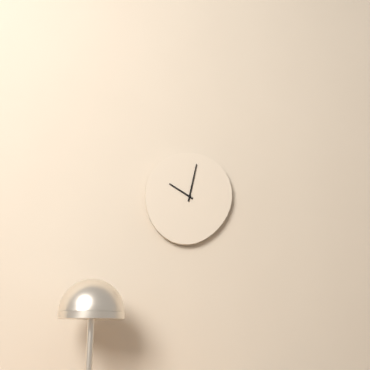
{"hour": 10, "minute": 2}
